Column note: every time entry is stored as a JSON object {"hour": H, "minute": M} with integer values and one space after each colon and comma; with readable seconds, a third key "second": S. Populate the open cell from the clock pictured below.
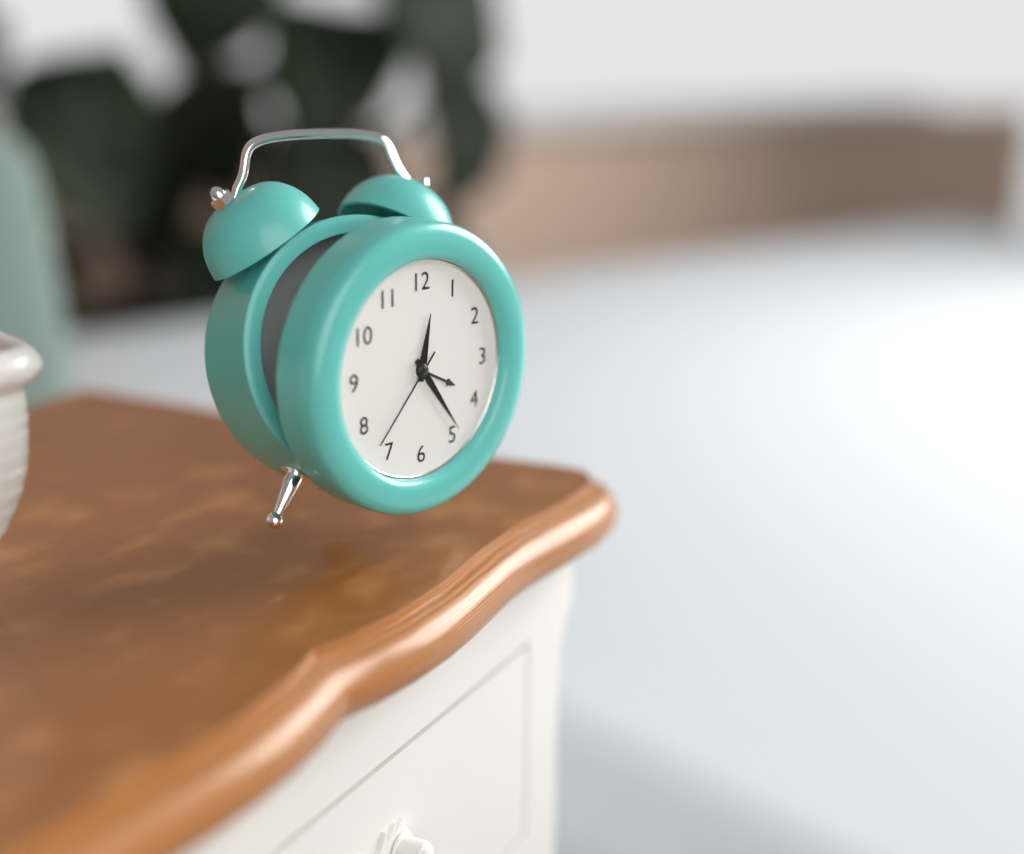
{"hour": 12, "minute": 24, "second": 37}
